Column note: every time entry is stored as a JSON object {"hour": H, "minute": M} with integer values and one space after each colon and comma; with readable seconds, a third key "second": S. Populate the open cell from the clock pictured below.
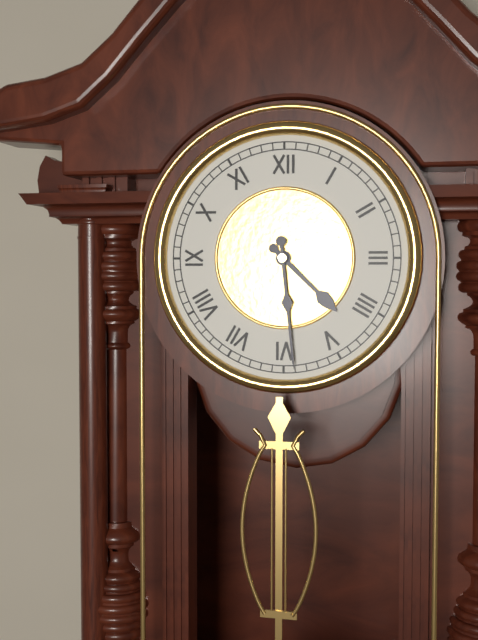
{"hour": 4, "minute": 29}
